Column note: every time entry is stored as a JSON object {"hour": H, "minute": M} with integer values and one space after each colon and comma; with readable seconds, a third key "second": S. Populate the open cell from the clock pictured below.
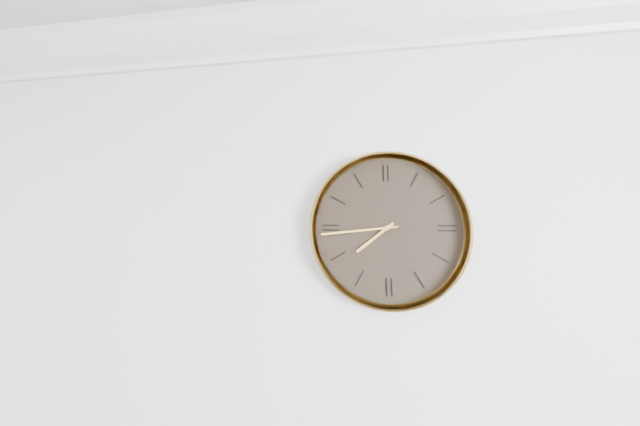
{"hour": 7, "minute": 44}
